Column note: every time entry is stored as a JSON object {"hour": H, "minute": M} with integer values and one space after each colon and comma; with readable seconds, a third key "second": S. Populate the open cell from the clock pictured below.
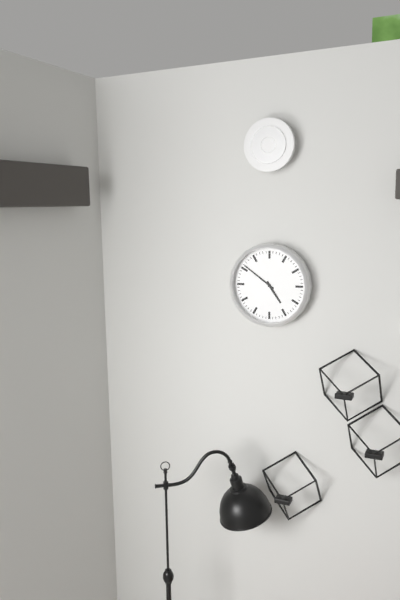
{"hour": 4, "minute": 51}
